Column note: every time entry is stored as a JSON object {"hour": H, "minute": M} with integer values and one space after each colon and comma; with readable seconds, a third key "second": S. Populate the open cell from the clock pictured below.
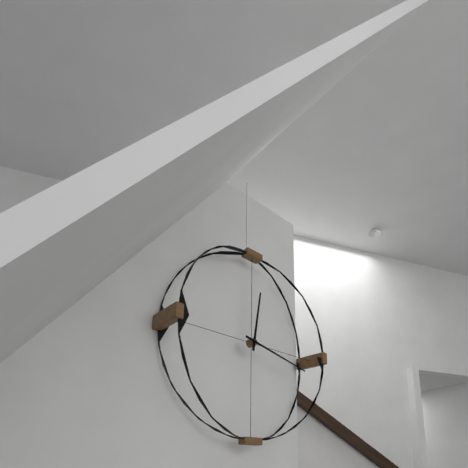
{"hour": 12, "minute": 17}
